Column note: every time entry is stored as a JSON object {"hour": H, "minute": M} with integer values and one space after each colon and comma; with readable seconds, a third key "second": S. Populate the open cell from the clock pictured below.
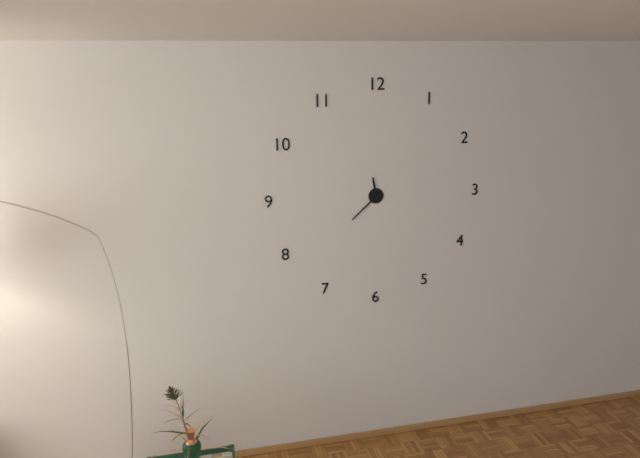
{"hour": 11, "minute": 38}
